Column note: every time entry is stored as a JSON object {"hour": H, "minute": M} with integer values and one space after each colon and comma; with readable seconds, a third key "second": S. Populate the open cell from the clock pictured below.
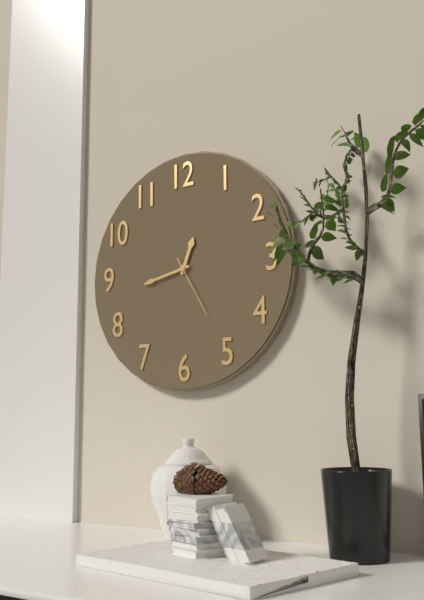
{"hour": 12, "minute": 43, "second": 25}
